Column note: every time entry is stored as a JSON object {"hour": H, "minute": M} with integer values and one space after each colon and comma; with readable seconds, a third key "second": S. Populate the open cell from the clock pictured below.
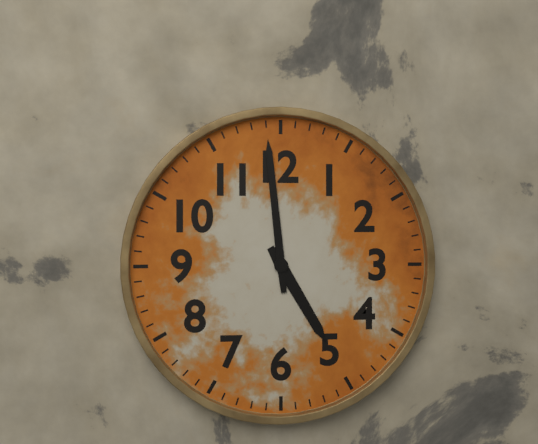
{"hour": 4, "minute": 59}
